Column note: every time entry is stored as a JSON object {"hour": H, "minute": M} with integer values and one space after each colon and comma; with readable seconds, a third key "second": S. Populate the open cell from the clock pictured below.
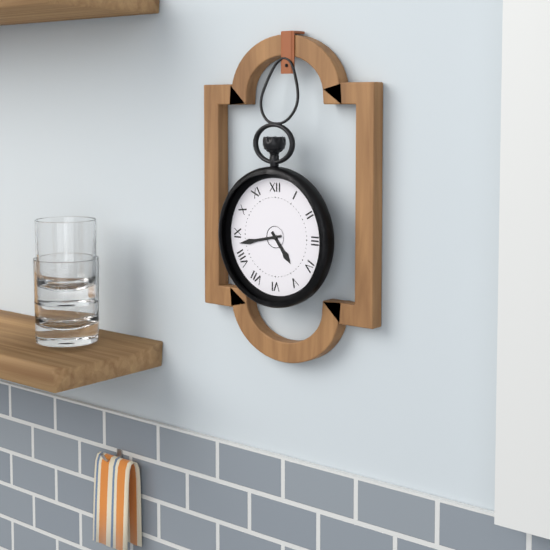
{"hour": 4, "minute": 43}
